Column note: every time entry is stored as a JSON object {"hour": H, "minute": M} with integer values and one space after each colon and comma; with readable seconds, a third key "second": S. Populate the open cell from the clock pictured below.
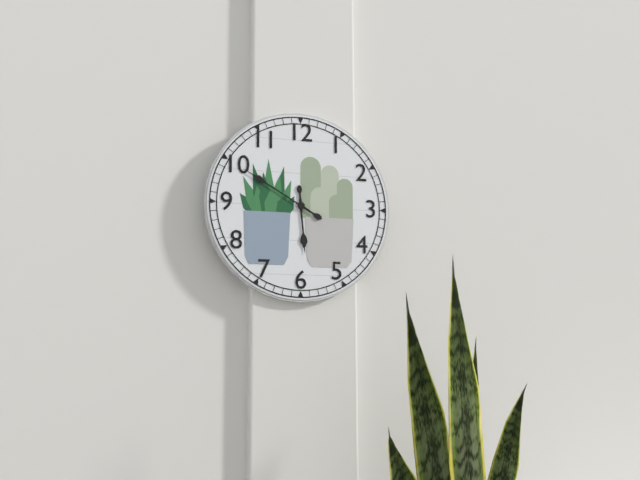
{"hour": 5, "minute": 50}
